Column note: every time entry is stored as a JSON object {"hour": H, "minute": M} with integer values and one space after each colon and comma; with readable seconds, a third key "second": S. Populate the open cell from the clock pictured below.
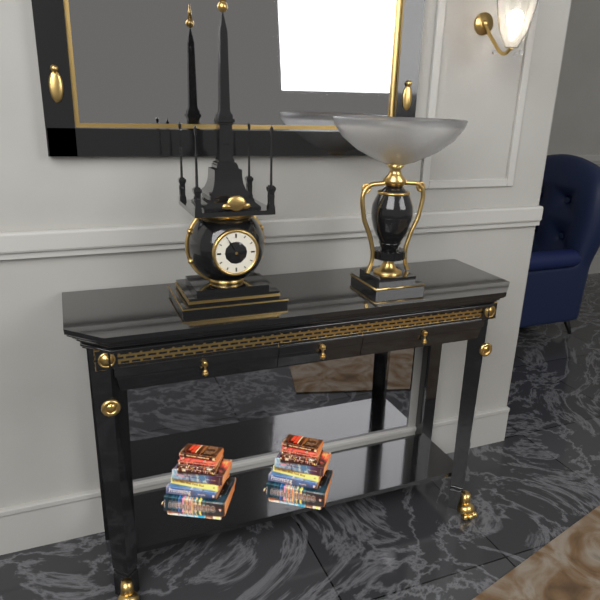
{"hour": 7, "minute": 55}
